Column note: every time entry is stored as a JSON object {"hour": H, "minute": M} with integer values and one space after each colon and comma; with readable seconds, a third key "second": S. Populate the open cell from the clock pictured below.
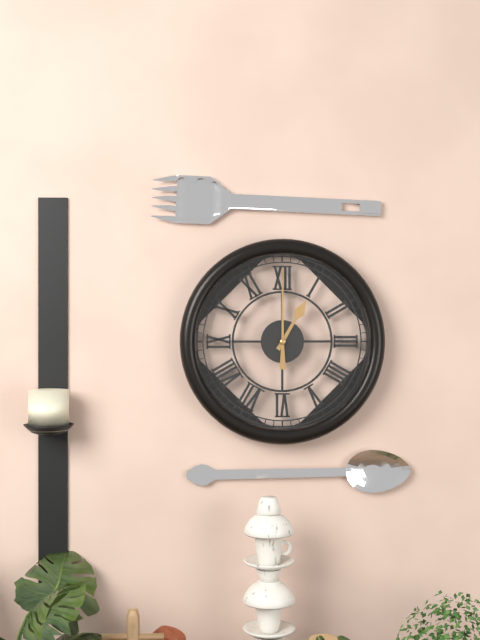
{"hour": 1, "minute": 0}
